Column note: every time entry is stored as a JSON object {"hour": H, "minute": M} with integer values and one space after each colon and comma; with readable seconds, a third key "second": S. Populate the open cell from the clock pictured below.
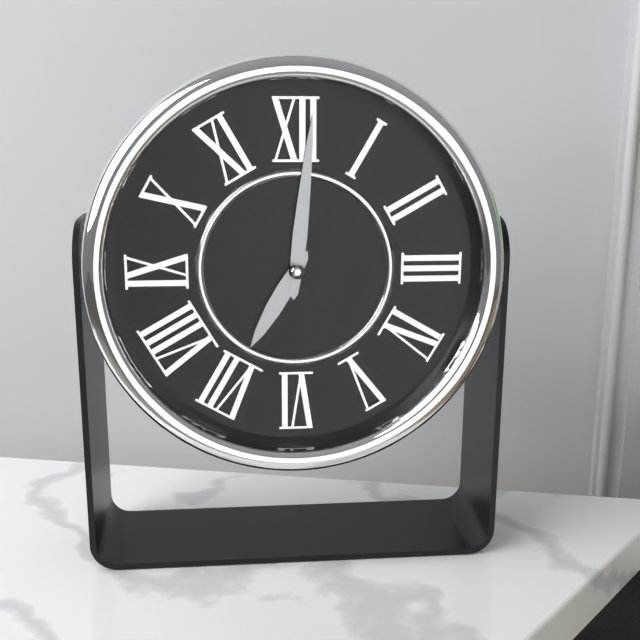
{"hour": 7, "minute": 1}
